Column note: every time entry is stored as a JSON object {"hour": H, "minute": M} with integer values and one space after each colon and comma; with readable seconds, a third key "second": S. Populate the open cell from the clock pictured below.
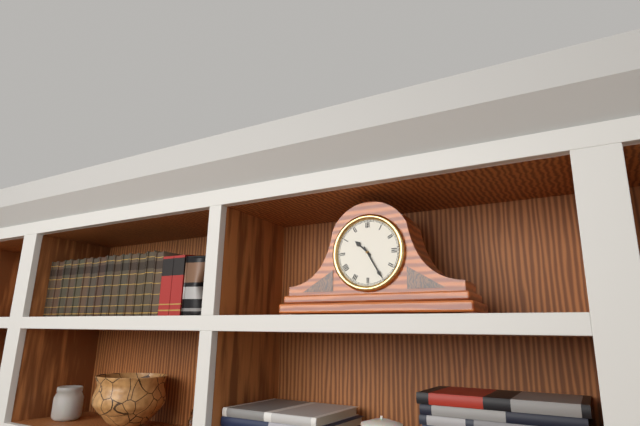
{"hour": 10, "minute": 25}
